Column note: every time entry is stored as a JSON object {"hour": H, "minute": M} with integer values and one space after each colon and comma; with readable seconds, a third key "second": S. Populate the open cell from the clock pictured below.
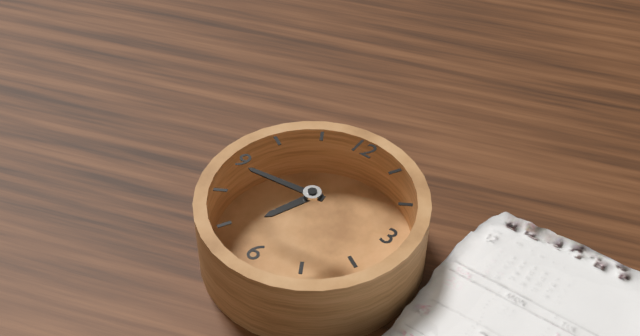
{"hour": 6, "minute": 44}
